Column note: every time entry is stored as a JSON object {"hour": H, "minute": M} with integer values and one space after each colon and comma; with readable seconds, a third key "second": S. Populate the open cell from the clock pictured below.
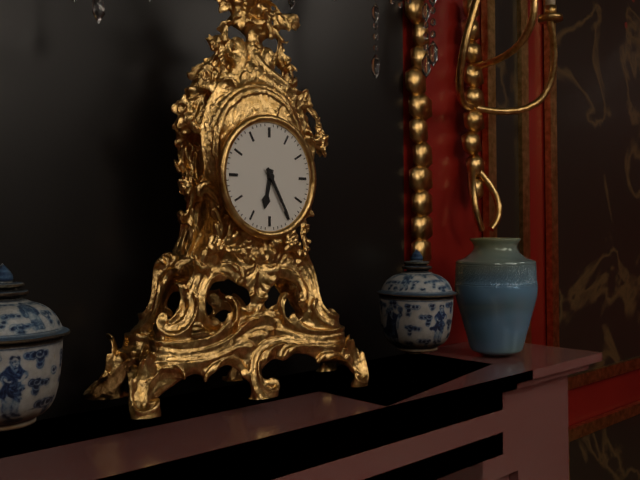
{"hour": 6, "minute": 25}
